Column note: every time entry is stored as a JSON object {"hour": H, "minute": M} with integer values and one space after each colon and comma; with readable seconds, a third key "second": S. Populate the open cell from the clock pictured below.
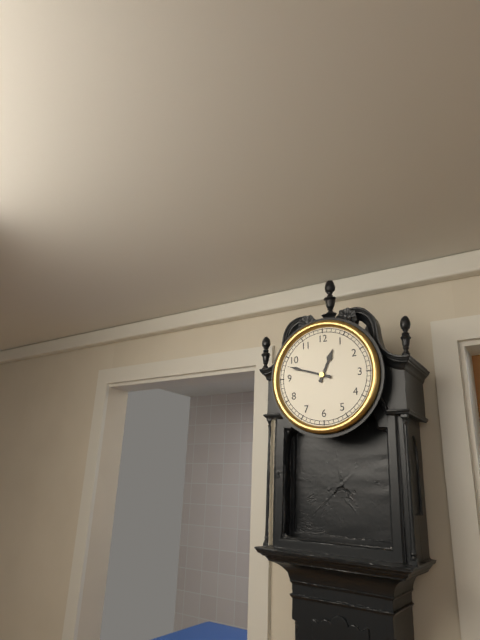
{"hour": 12, "minute": 48}
